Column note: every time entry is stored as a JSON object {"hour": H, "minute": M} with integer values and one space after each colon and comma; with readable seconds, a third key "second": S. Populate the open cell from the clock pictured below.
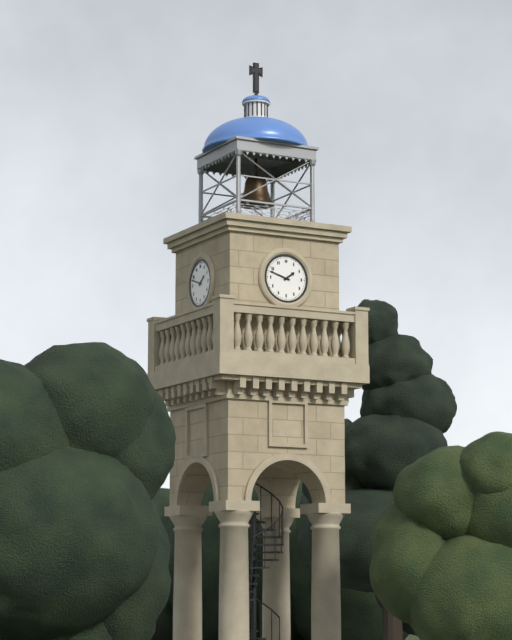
{"hour": 1, "minute": 48}
